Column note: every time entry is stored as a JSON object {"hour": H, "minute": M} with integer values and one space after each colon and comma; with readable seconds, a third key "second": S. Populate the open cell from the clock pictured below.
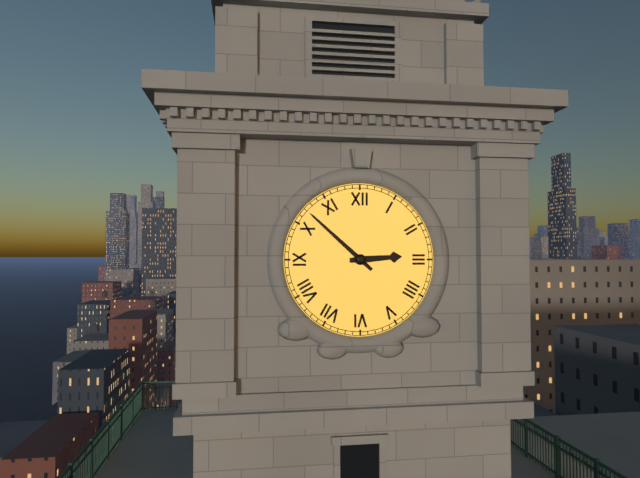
{"hour": 2, "minute": 52}
